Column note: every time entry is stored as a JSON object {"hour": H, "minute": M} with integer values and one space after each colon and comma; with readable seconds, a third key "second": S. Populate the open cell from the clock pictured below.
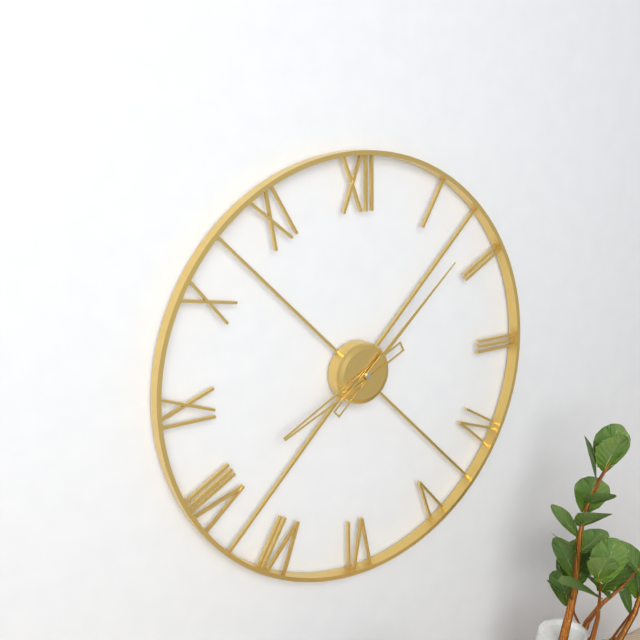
{"hour": 8, "minute": 8}
